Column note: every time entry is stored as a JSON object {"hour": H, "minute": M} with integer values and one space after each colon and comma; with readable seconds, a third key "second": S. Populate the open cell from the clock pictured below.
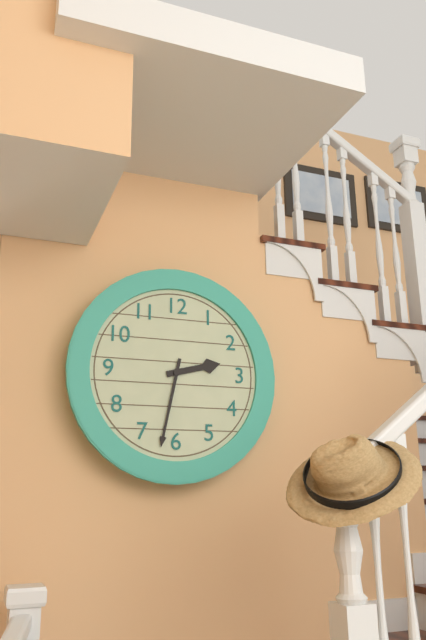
{"hour": 2, "minute": 32}
